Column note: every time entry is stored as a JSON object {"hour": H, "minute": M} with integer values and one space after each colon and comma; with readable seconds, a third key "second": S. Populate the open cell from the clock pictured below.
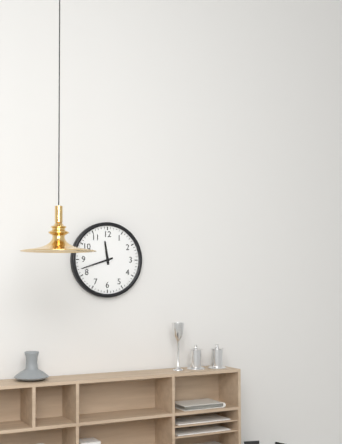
{"hour": 11, "minute": 42}
